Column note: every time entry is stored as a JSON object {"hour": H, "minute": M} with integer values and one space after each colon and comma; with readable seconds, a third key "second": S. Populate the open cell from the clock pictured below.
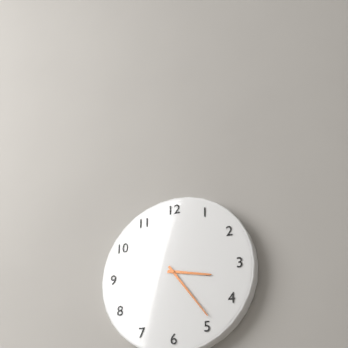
{"hour": 3, "minute": 24}
